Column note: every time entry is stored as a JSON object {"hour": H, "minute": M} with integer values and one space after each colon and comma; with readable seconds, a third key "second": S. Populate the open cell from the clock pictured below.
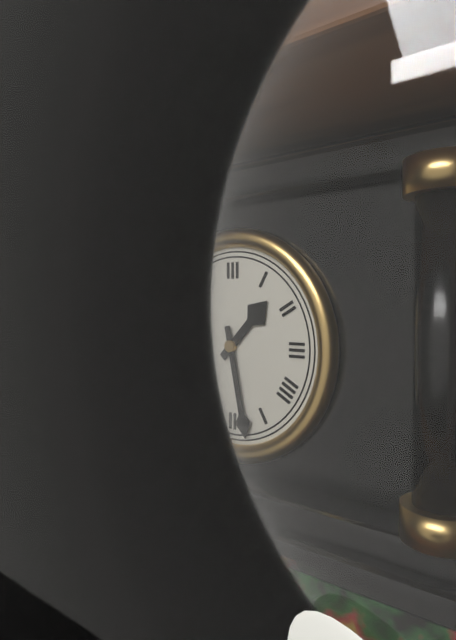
{"hour": 1, "minute": 28}
